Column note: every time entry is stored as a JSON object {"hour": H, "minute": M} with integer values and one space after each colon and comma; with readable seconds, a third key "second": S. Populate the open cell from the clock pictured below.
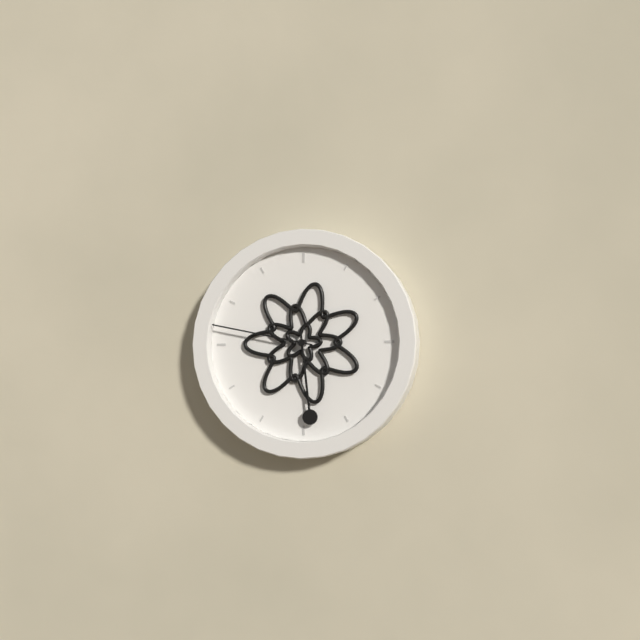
{"hour": 5, "minute": 47}
